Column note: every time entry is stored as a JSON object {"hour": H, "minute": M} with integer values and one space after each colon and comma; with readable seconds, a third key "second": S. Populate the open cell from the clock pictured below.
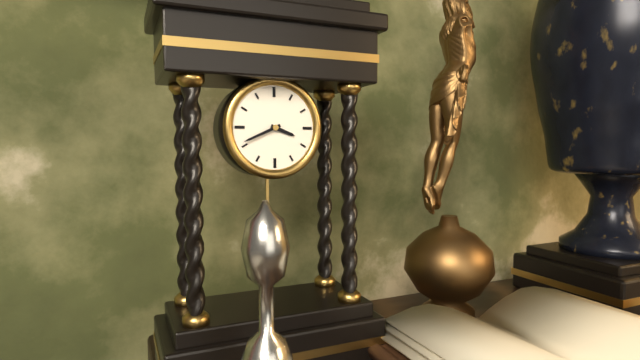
{"hour": 3, "minute": 41}
